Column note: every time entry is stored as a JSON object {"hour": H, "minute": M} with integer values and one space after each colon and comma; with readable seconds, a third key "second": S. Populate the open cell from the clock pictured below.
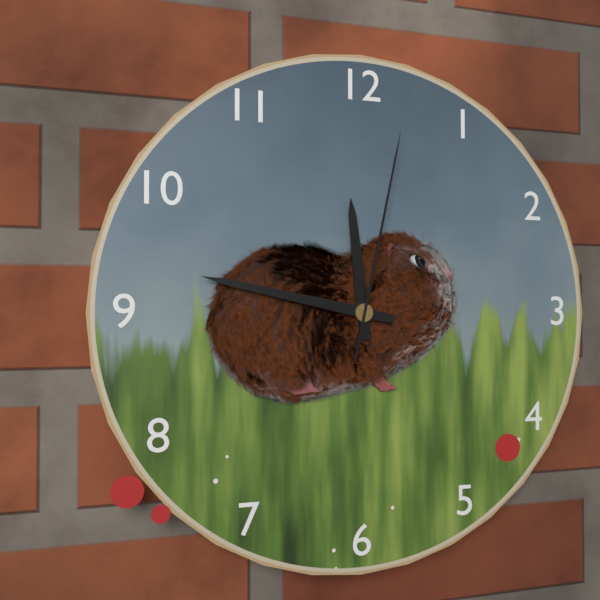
{"hour": 11, "minute": 47, "second": 2}
